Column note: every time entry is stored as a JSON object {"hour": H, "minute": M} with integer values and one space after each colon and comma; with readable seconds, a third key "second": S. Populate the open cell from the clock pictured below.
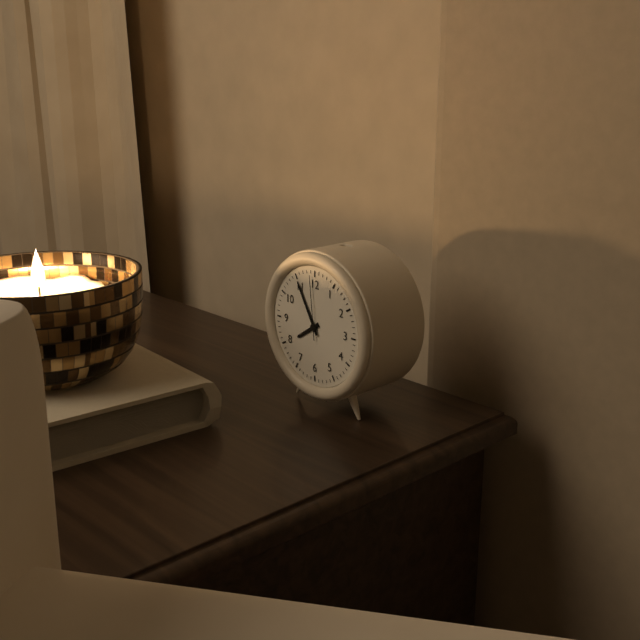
{"hour": 7, "minute": 55, "second": 59}
